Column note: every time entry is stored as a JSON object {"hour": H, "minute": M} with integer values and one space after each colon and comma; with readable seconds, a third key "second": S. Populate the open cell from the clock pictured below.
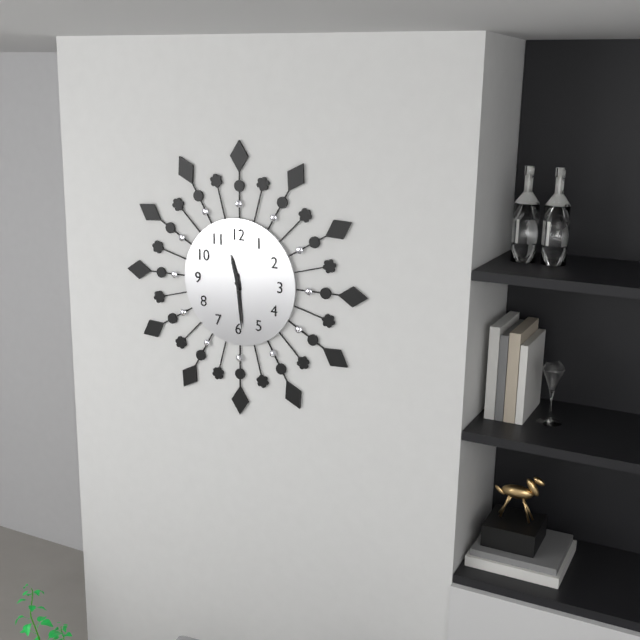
{"hour": 11, "minute": 29}
